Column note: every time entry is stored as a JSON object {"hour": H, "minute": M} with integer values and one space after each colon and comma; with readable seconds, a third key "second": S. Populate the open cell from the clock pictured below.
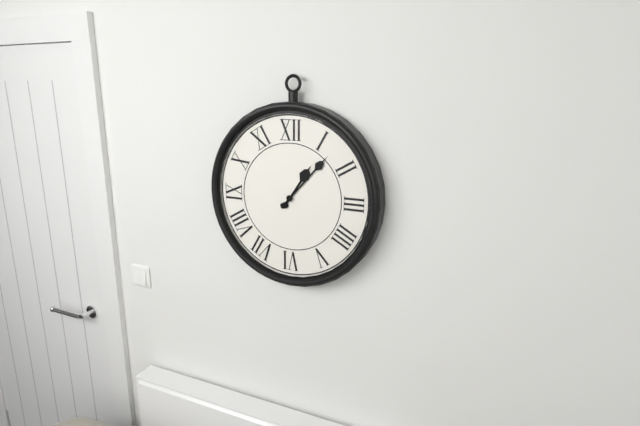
{"hour": 1, "minute": 7}
